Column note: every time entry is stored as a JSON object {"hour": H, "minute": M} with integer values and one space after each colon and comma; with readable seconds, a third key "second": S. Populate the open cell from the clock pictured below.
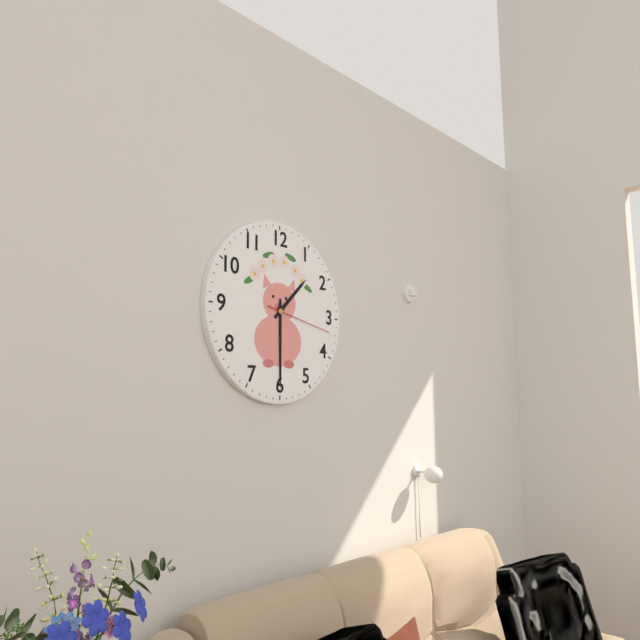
{"hour": 1, "minute": 30, "second": 17}
